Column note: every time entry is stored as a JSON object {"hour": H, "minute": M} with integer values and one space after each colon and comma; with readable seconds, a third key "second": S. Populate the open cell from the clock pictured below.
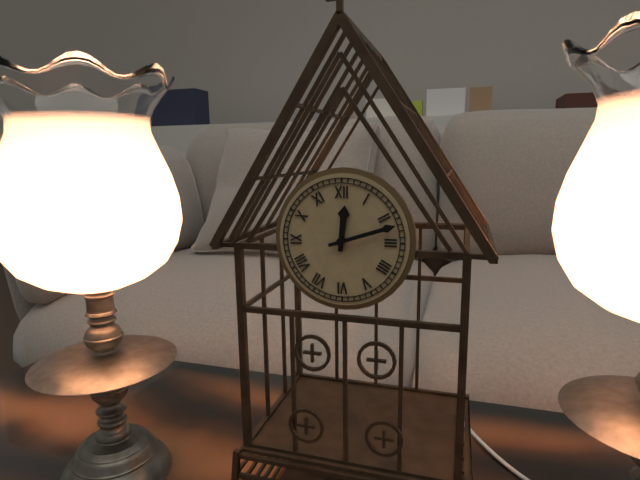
{"hour": 12, "minute": 12}
